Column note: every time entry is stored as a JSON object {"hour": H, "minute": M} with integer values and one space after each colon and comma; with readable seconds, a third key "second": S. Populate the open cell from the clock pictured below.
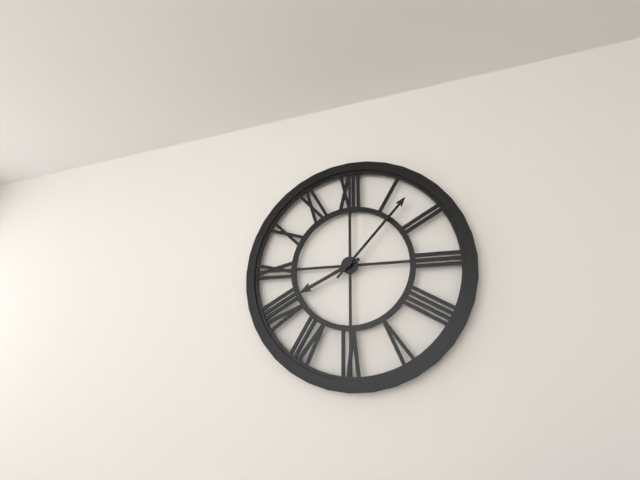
{"hour": 8, "minute": 7}
